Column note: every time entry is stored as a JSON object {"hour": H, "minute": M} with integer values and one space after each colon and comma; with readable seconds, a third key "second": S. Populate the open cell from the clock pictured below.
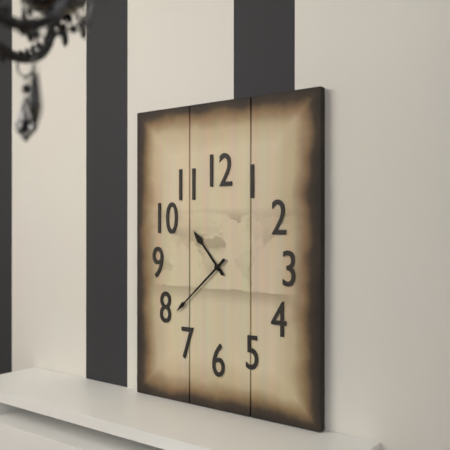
{"hour": 10, "minute": 38}
